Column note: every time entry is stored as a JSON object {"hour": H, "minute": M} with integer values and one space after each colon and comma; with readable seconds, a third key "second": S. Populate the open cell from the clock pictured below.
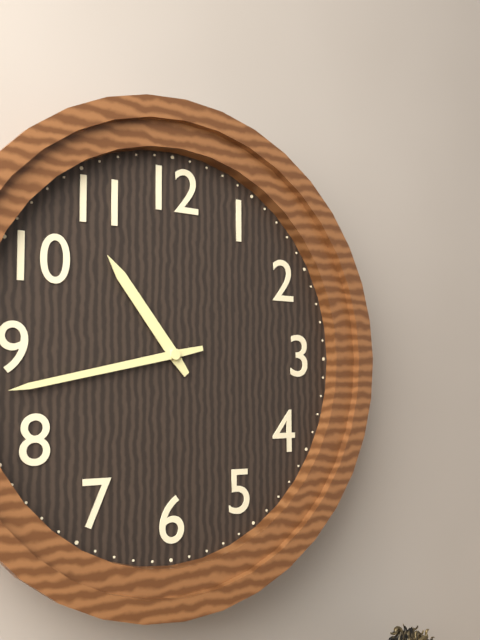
{"hour": 10, "minute": 43}
